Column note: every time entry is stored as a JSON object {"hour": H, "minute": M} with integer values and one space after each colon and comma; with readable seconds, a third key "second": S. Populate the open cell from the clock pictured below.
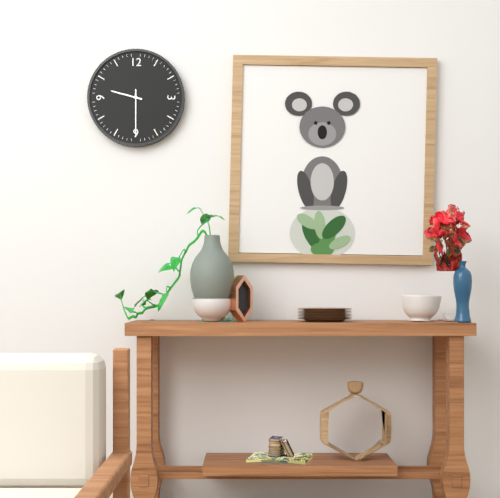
{"hour": 9, "minute": 30}
